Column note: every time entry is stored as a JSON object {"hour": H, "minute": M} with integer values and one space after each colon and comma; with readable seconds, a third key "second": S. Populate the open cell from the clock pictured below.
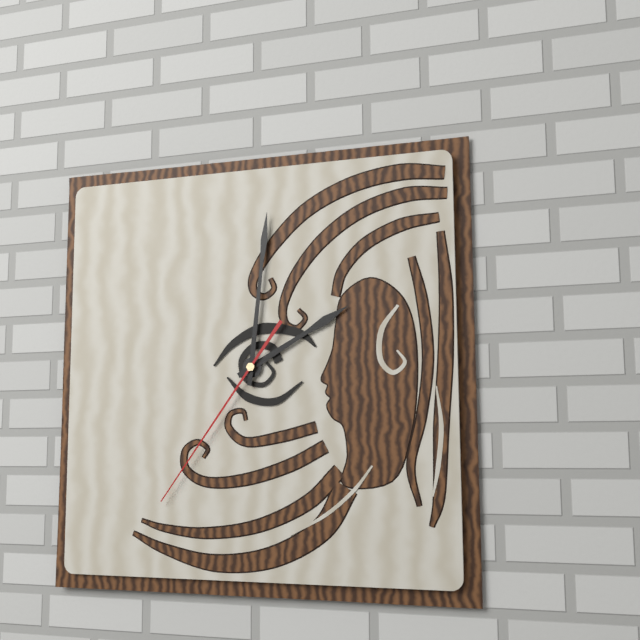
{"hour": 2, "minute": 1, "second": 36}
